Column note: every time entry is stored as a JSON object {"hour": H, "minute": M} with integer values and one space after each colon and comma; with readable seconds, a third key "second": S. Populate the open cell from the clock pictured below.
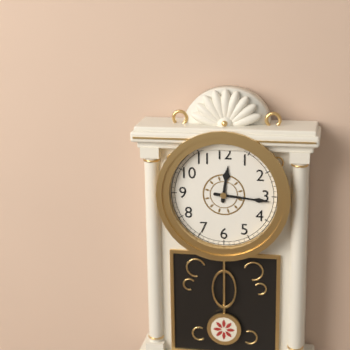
{"hour": 12, "minute": 16}
